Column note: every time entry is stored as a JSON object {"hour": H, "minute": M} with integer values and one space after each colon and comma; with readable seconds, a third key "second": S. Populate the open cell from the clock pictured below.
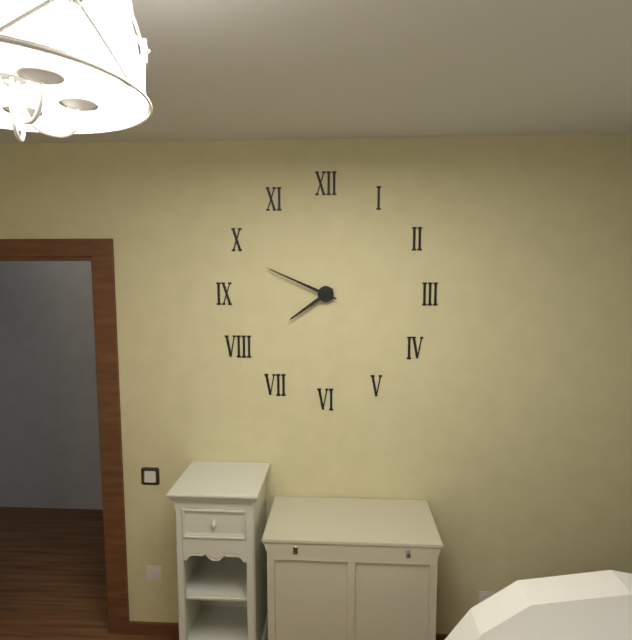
{"hour": 7, "minute": 49}
